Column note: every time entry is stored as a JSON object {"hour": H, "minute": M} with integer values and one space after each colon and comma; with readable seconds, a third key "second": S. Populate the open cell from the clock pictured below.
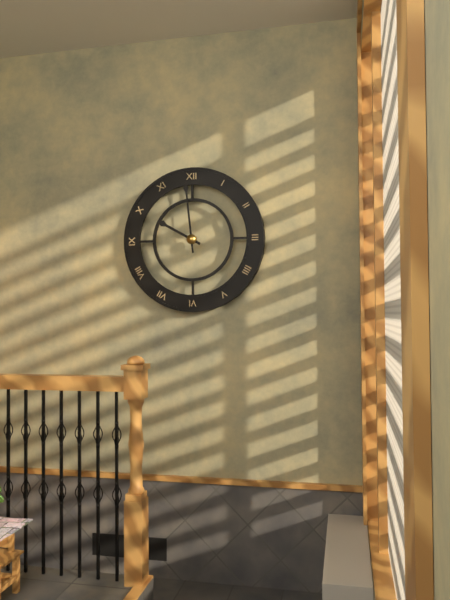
{"hour": 9, "minute": 59}
